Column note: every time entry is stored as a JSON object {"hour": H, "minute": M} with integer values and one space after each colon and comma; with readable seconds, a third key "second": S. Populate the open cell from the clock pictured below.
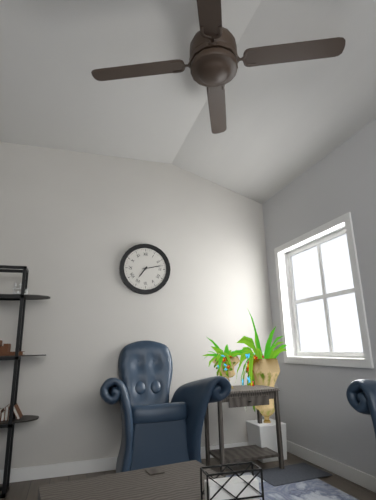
{"hour": 7, "minute": 13}
